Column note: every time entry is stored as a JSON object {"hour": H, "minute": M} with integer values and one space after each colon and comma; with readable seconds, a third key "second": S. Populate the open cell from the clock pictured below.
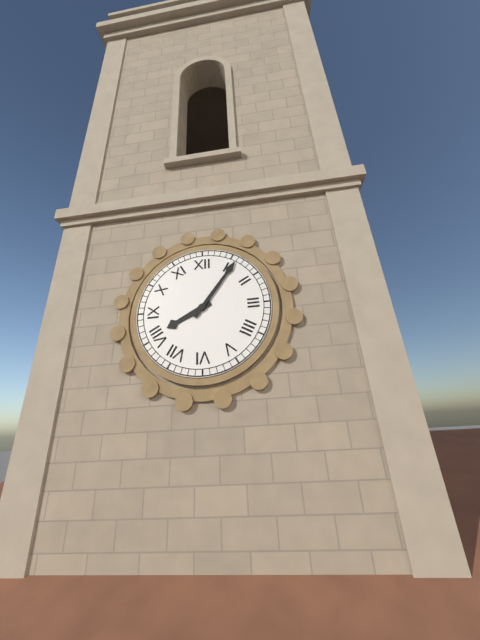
{"hour": 8, "minute": 6}
